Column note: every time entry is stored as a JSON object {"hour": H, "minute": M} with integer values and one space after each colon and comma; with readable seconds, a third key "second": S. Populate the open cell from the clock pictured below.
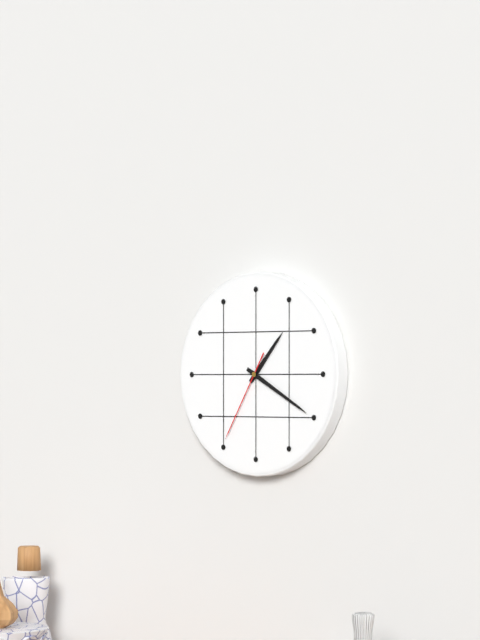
{"hour": 1, "minute": 20, "second": 35}
